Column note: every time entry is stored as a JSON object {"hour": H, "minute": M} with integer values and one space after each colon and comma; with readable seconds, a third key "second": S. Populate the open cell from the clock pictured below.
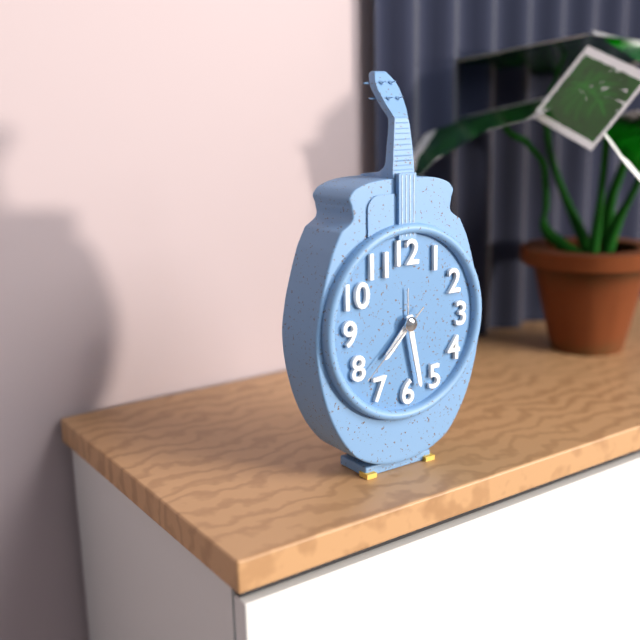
{"hour": 7, "minute": 28, "second": 38}
